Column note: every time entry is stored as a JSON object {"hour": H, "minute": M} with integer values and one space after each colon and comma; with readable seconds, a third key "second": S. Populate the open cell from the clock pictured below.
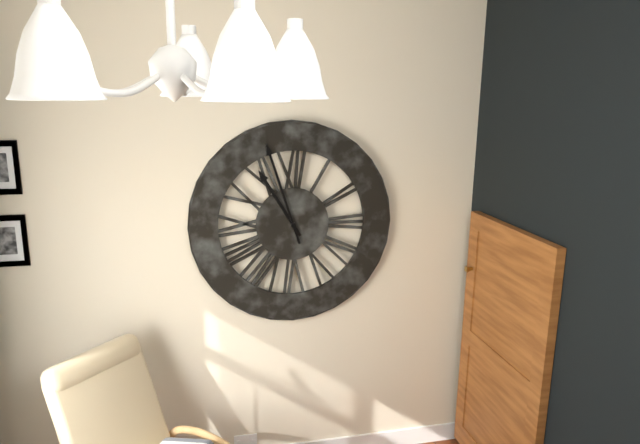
{"hour": 10, "minute": 57}
